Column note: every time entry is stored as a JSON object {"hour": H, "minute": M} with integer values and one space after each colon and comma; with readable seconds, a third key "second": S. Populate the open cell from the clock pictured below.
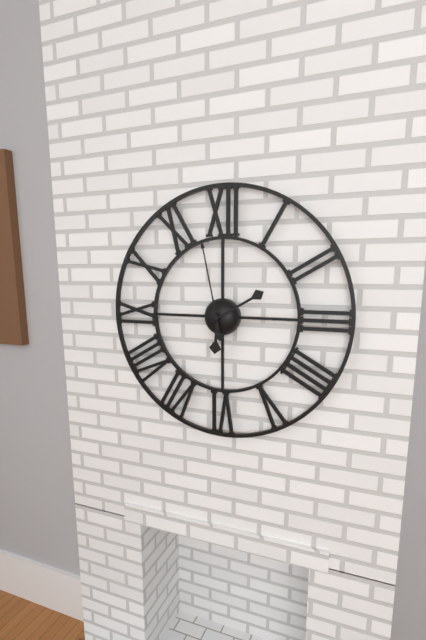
{"hour": 6, "minute": 10, "second": 58}
